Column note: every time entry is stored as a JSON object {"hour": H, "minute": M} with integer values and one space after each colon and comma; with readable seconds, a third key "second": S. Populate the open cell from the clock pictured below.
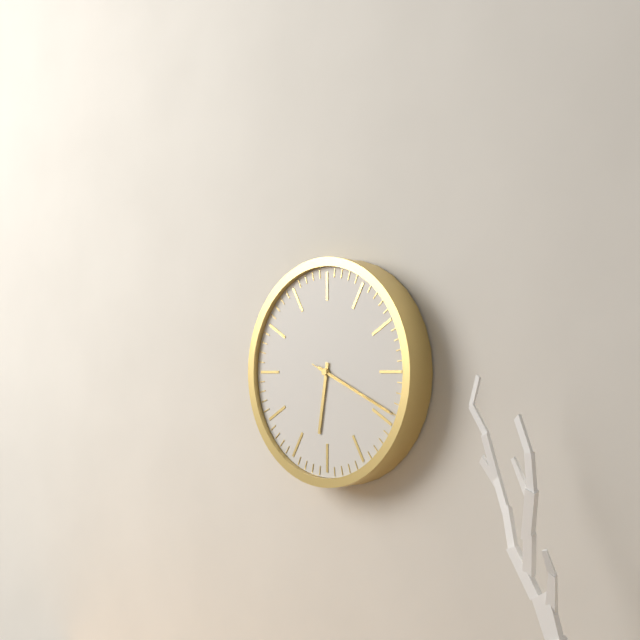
{"hour": 6, "minute": 19, "second": 19}
